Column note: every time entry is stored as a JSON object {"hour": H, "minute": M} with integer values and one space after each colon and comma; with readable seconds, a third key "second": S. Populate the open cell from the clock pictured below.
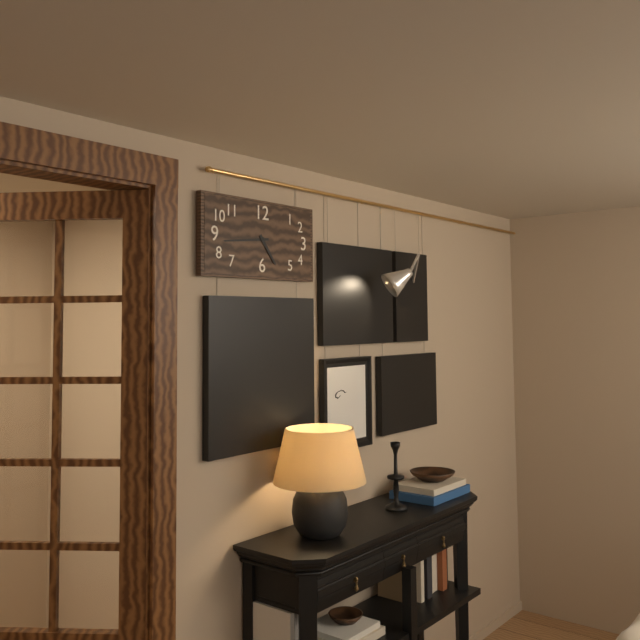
{"hour": 4, "minute": 44}
